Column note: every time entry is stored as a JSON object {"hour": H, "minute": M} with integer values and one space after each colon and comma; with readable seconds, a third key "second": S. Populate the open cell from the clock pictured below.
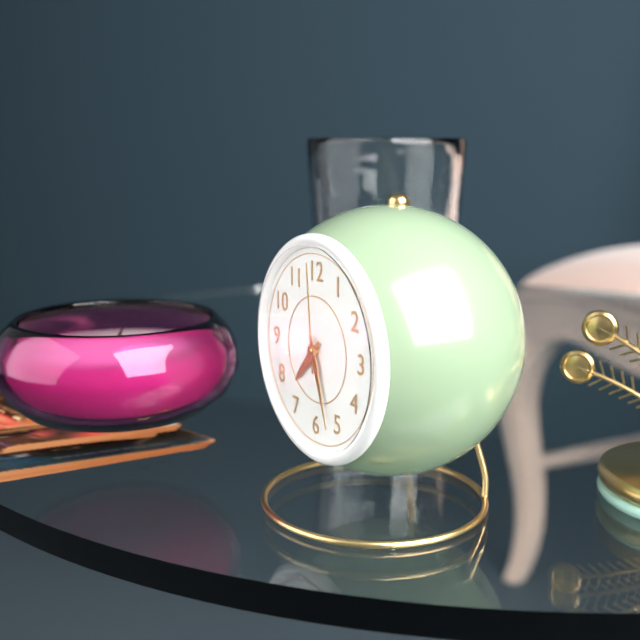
{"hour": 7, "minute": 27, "second": 59}
